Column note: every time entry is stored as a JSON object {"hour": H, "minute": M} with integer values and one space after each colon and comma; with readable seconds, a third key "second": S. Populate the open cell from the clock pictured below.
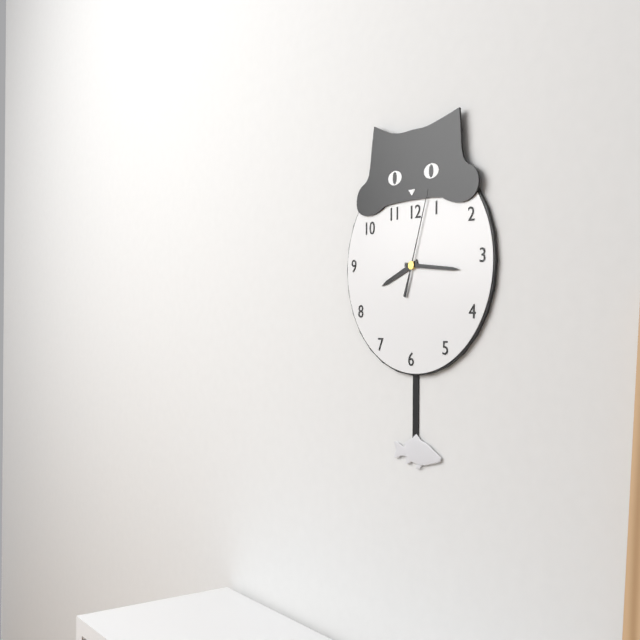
{"hour": 8, "minute": 16, "second": 3}
